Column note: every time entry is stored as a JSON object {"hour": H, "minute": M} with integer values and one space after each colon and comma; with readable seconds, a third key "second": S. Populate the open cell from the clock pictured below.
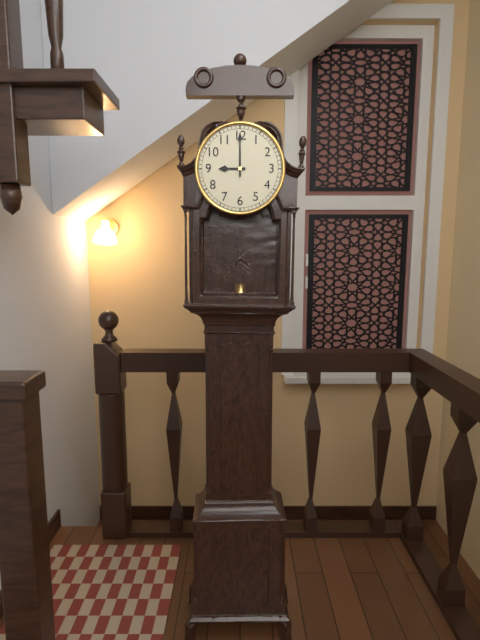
{"hour": 9, "minute": 0}
